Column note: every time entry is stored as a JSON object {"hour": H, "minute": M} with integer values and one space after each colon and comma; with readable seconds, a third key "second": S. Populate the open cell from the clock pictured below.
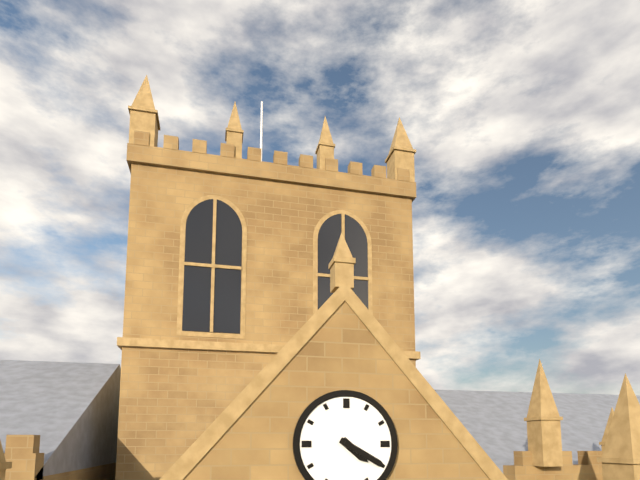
{"hour": 4, "minute": 20}
